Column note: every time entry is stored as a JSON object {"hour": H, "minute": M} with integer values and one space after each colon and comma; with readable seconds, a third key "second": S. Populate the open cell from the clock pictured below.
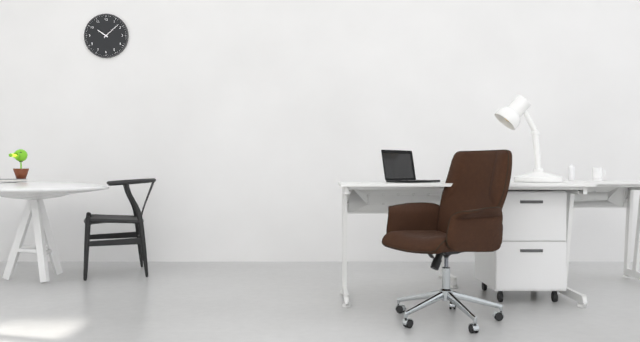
{"hour": 10, "minute": 8}
